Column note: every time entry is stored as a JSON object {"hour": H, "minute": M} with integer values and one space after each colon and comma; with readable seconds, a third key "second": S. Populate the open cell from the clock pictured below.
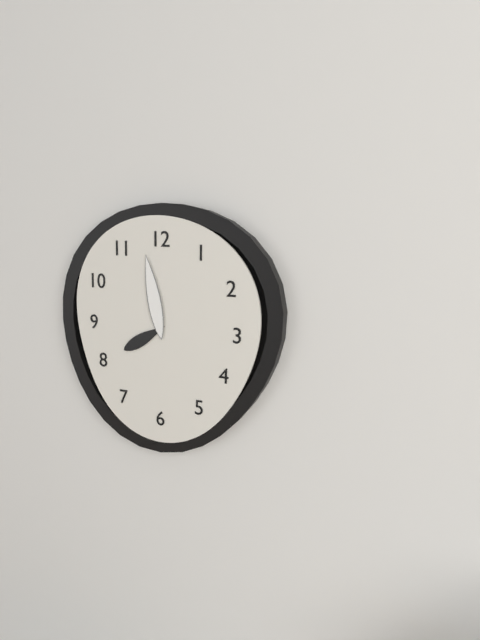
{"hour": 7, "minute": 58}
